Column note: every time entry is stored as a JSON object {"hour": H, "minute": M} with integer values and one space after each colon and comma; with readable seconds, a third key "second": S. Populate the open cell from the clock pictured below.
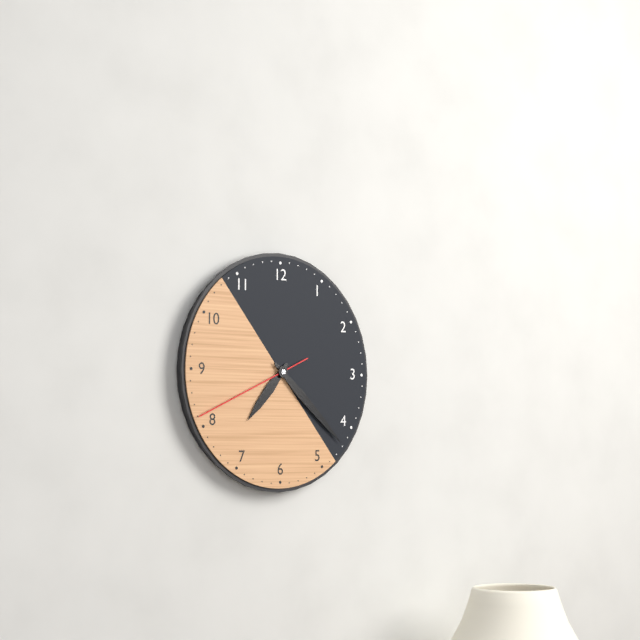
{"hour": 7, "minute": 22, "second": 41}
